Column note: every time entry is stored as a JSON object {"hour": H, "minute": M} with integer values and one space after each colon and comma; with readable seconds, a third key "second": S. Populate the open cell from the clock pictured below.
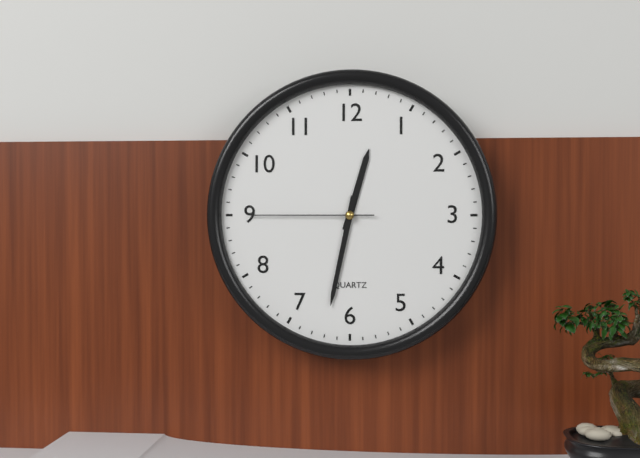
{"hour": 12, "minute": 32, "second": 45}
